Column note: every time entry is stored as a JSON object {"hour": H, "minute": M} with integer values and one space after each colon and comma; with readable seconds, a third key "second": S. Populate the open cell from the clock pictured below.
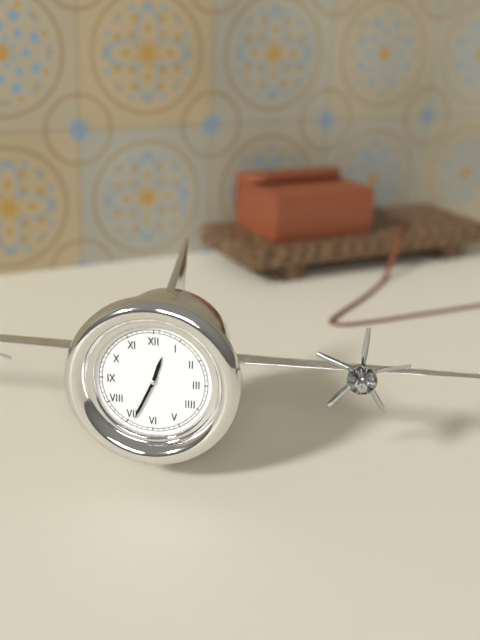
{"hour": 12, "minute": 34}
